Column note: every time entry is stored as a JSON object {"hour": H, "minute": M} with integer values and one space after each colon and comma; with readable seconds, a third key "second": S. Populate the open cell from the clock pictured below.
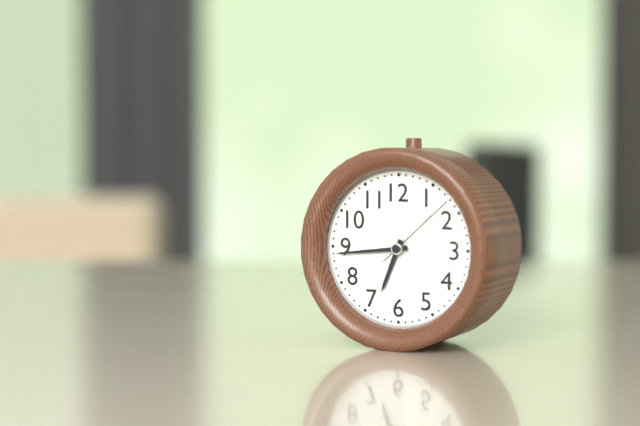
{"hour": 6, "minute": 44, "second": 8}
